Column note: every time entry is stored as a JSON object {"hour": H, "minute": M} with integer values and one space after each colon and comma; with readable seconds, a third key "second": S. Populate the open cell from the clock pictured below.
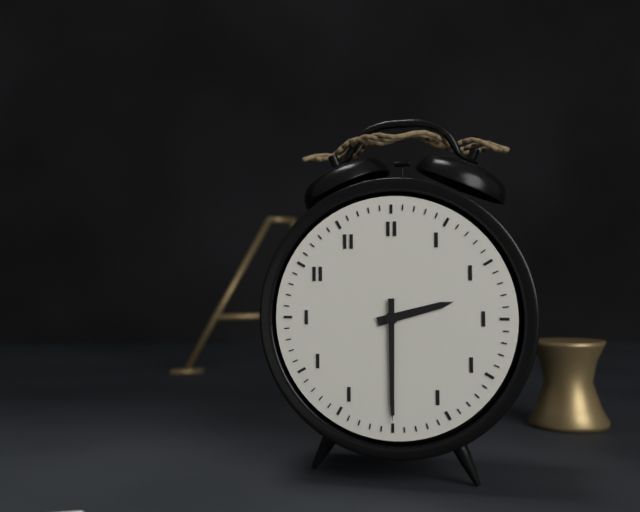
{"hour": 2, "minute": 30}
